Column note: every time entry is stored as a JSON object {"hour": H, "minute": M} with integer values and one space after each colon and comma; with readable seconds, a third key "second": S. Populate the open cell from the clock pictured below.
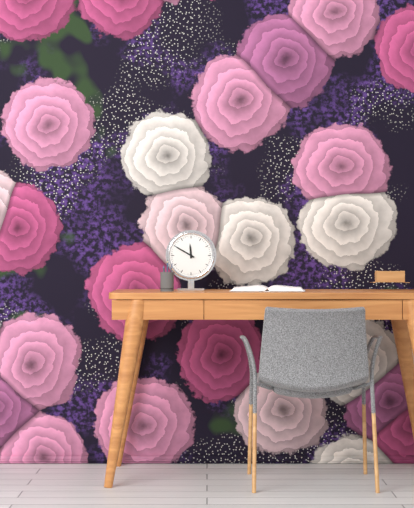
{"hour": 11, "minute": 50}
